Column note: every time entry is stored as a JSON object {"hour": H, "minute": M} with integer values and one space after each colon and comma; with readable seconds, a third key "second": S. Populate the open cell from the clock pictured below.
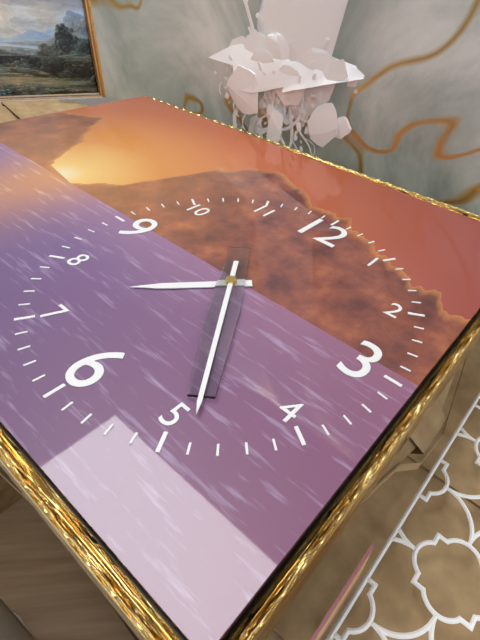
{"hour": 7, "minute": 24}
